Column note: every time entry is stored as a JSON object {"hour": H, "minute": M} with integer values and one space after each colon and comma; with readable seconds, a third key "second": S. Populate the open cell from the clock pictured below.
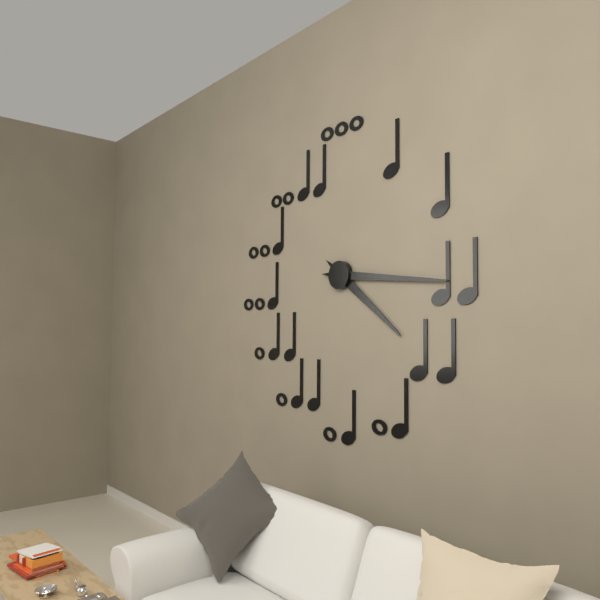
{"hour": 4, "minute": 16}
